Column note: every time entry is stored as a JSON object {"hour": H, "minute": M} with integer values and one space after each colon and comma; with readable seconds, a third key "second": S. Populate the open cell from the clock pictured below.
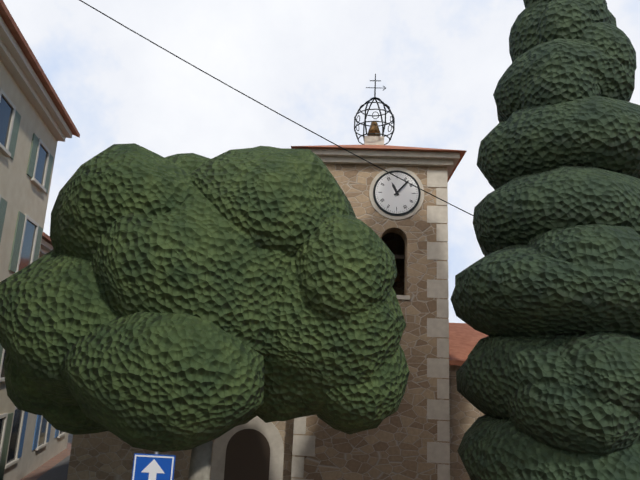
{"hour": 11, "minute": 7}
